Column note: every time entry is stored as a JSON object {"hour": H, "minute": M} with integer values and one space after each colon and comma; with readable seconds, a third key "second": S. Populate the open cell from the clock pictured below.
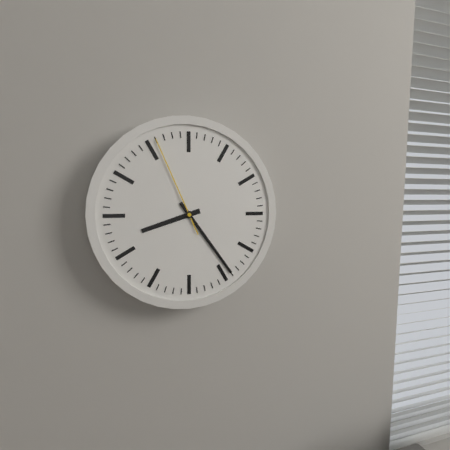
{"hour": 8, "minute": 24, "second": 56}
